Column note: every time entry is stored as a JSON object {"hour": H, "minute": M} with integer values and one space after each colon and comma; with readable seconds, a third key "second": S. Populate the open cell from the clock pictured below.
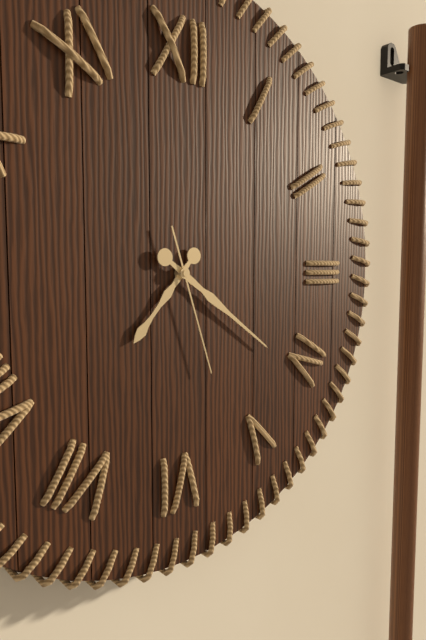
{"hour": 7, "minute": 21, "second": 27}
